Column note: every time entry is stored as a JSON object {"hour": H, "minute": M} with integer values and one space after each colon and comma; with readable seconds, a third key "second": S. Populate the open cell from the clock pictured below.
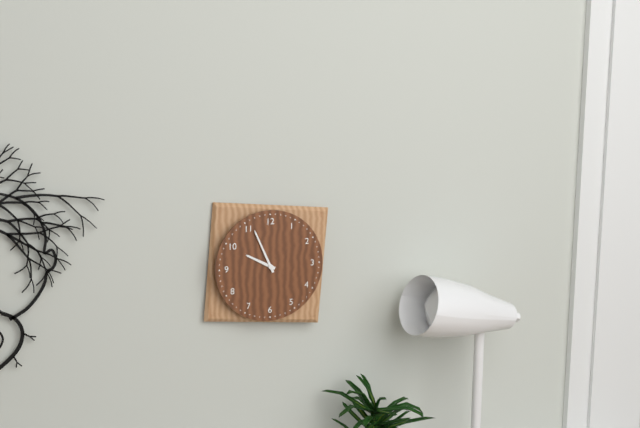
{"hour": 9, "minute": 56}
